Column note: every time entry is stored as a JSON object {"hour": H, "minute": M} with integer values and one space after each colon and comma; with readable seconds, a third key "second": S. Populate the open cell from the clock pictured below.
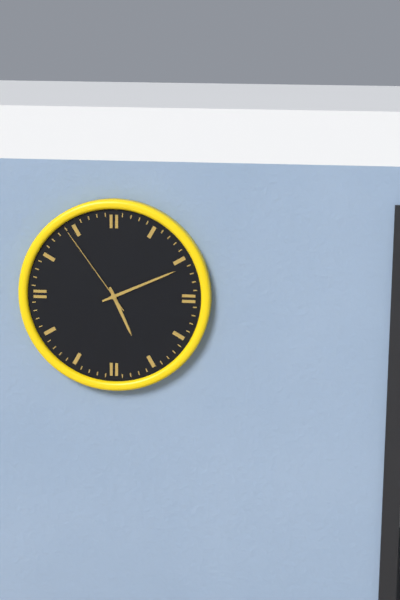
{"hour": 5, "minute": 11, "second": 54}
